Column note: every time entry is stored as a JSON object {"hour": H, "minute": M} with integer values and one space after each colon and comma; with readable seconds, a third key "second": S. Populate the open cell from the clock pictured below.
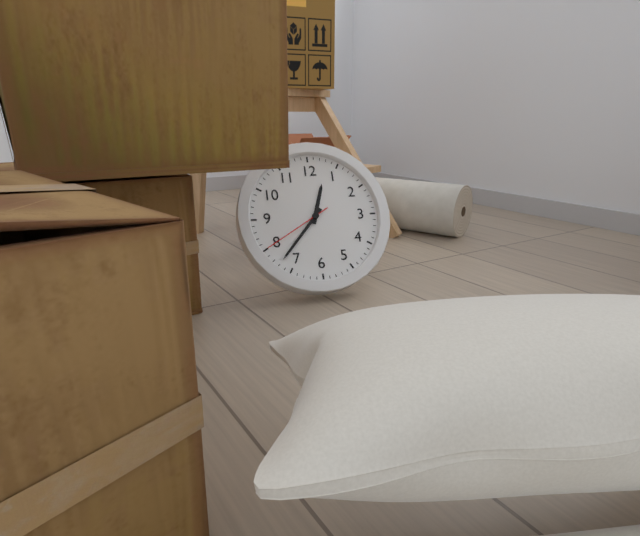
{"hour": 12, "minute": 37, "second": 40}
